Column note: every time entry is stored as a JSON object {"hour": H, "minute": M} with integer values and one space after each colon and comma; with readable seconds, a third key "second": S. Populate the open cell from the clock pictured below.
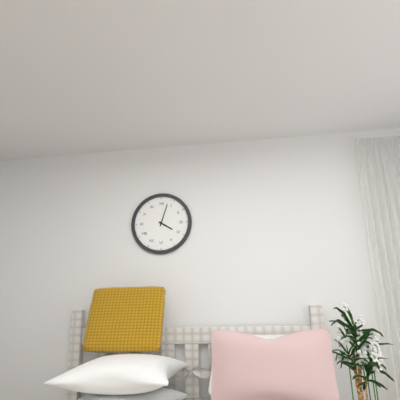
{"hour": 4, "minute": 3}
